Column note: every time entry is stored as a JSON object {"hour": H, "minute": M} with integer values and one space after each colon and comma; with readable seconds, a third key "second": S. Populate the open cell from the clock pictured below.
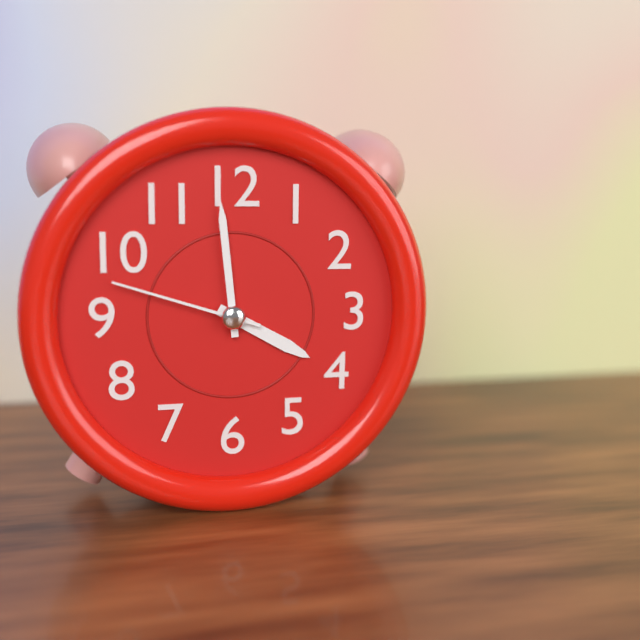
{"hour": 3, "minute": 59, "second": 48}
